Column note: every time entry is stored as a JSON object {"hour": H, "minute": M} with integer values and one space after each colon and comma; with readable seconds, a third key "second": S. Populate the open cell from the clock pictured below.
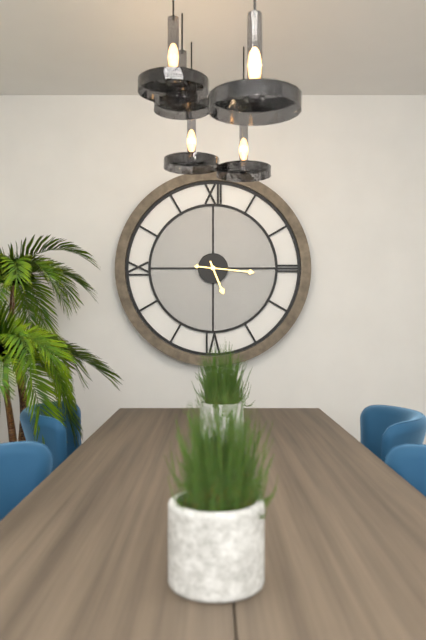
{"hour": 5, "minute": 16}
